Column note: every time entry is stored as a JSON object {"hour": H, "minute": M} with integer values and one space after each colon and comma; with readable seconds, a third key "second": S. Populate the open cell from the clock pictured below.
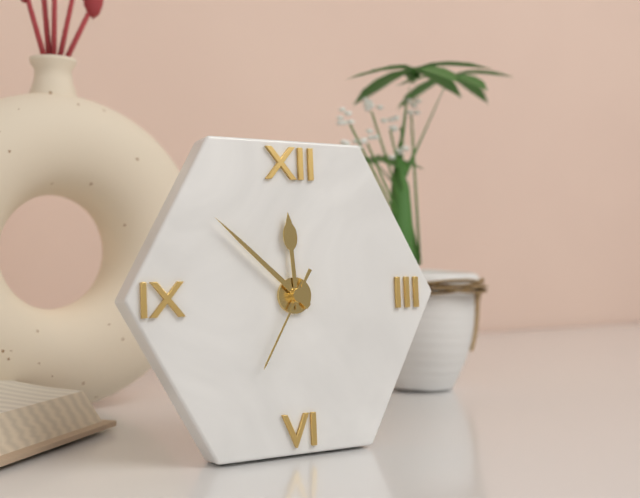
{"hour": 11, "minute": 52, "second": 35}
